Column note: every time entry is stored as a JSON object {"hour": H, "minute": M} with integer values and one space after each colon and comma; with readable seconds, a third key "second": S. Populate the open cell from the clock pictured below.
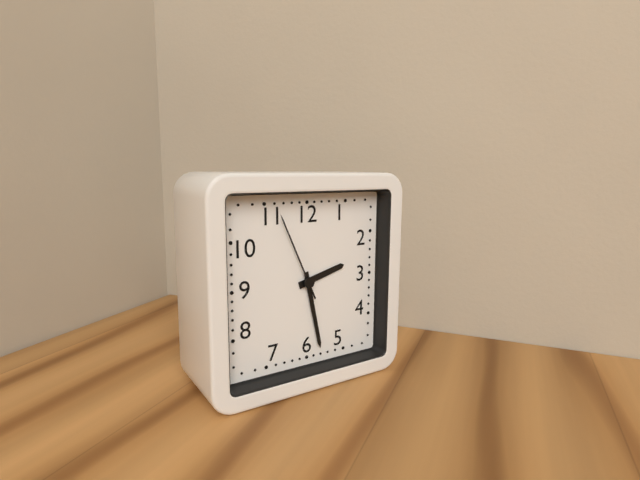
{"hour": 2, "minute": 28, "second": 56}
